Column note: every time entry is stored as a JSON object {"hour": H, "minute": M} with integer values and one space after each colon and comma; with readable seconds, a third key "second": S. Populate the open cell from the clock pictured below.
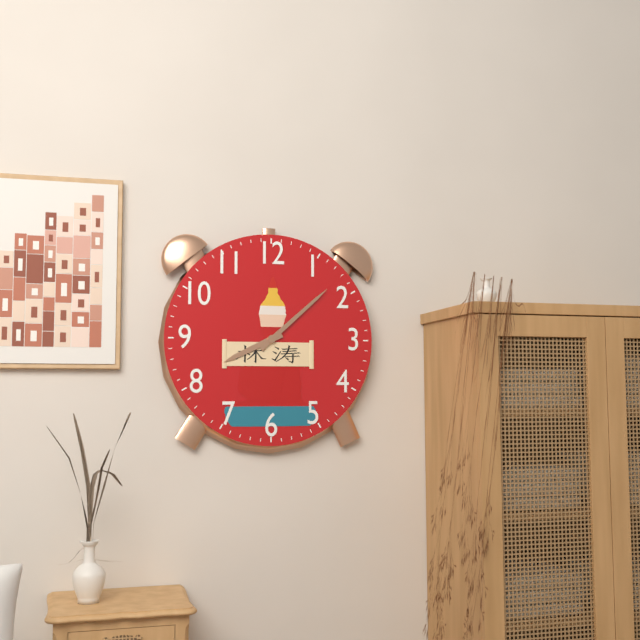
{"hour": 8, "minute": 8}
